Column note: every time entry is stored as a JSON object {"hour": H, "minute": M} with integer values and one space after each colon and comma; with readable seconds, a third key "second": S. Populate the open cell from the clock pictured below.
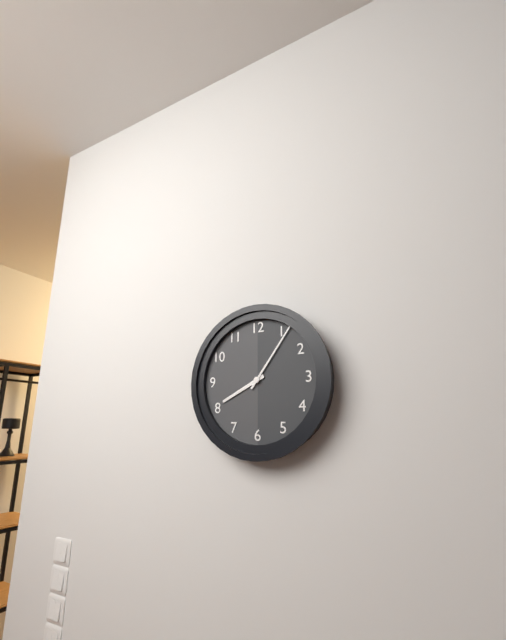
{"hour": 8, "minute": 6}
